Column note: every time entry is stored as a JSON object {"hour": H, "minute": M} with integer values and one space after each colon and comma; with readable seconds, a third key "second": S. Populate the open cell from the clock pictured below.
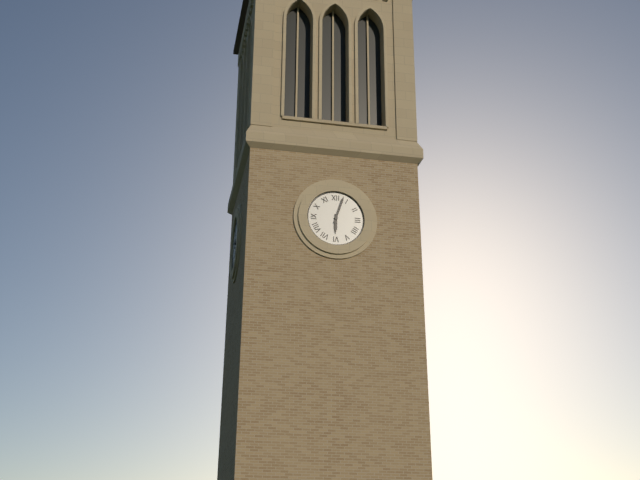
{"hour": 6, "minute": 3}
